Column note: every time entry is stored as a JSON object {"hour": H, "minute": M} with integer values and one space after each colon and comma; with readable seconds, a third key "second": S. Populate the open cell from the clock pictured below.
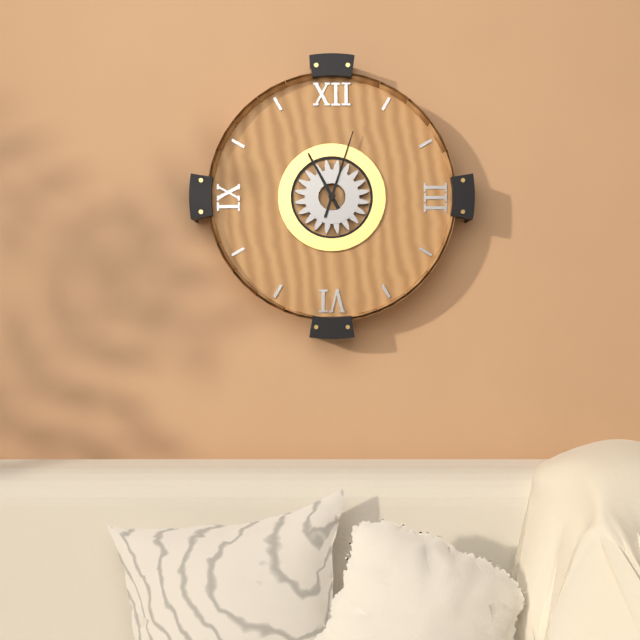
{"hour": 11, "minute": 3}
